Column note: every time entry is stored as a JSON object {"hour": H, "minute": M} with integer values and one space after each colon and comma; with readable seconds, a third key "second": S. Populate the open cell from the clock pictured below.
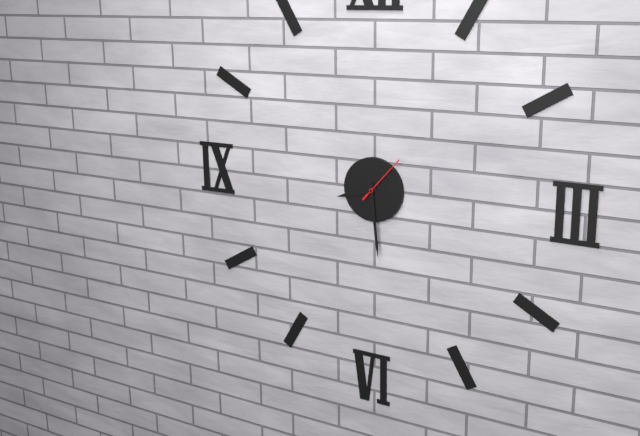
{"hour": 8, "minute": 29}
